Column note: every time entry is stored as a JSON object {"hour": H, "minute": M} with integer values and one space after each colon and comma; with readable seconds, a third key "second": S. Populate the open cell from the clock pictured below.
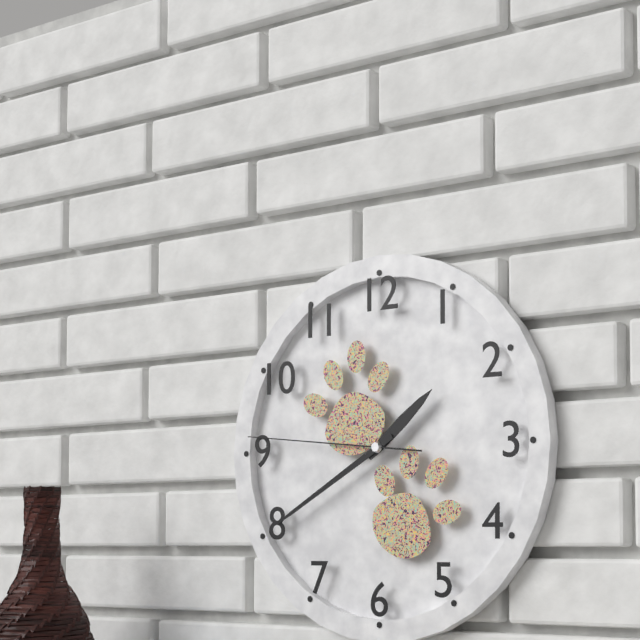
{"hour": 1, "minute": 40, "second": 46}
